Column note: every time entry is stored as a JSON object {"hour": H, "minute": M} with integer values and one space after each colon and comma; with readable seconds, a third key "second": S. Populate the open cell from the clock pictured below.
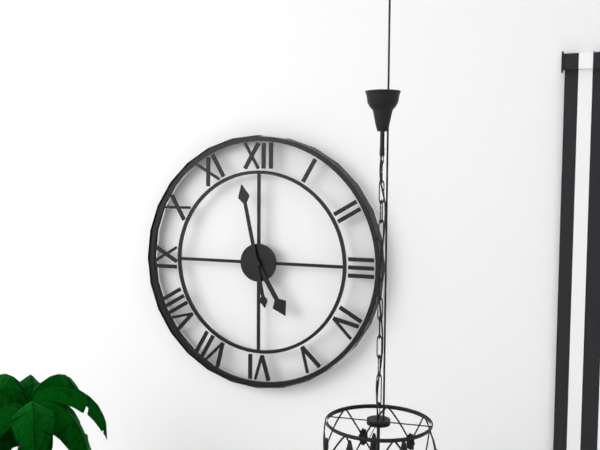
{"hour": 4, "minute": 58}
